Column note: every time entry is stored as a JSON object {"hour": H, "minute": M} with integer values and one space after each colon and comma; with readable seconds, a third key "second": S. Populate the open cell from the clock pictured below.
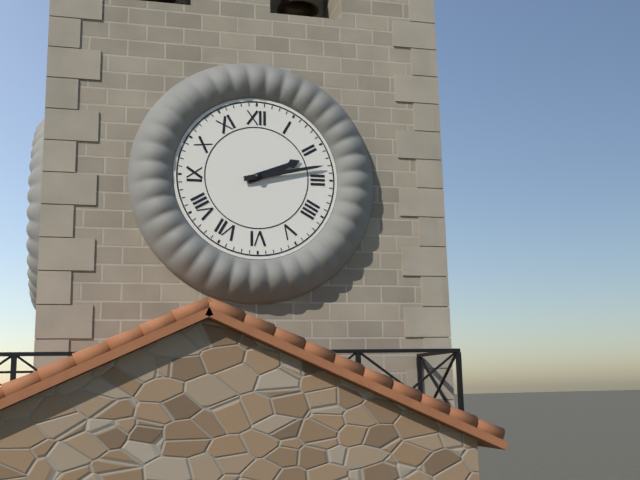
{"hour": 2, "minute": 13}
